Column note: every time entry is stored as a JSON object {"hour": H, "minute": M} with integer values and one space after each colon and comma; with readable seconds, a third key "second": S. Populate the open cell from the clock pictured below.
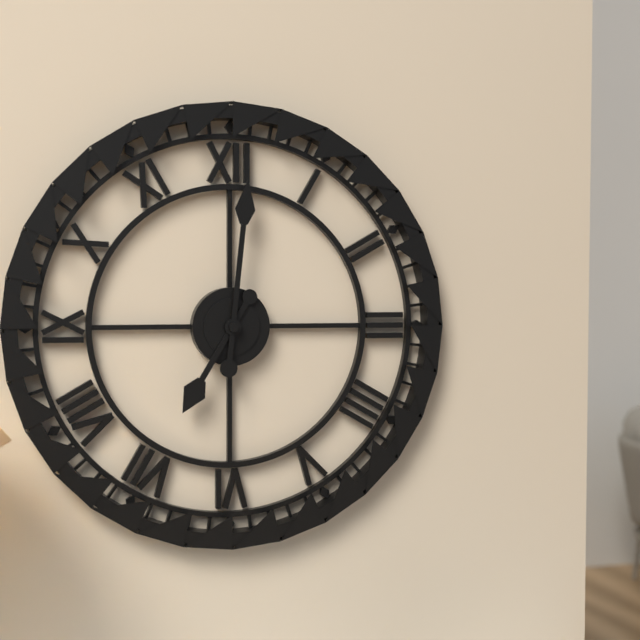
{"hour": 7, "minute": 1}
